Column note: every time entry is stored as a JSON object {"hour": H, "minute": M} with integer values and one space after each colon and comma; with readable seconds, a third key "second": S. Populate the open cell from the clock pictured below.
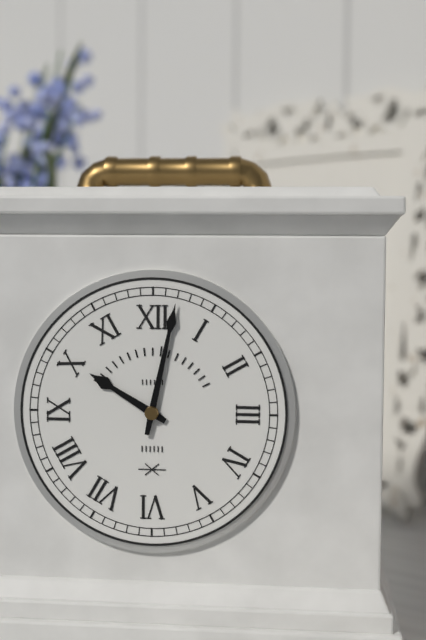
{"hour": 10, "minute": 2}
